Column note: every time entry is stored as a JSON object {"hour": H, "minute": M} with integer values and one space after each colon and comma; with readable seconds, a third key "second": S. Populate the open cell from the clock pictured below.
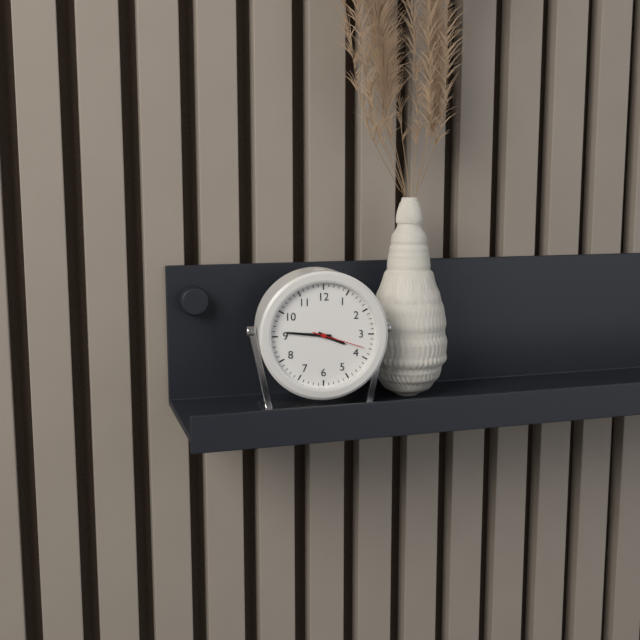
{"hour": 3, "minute": 46, "second": 18}
